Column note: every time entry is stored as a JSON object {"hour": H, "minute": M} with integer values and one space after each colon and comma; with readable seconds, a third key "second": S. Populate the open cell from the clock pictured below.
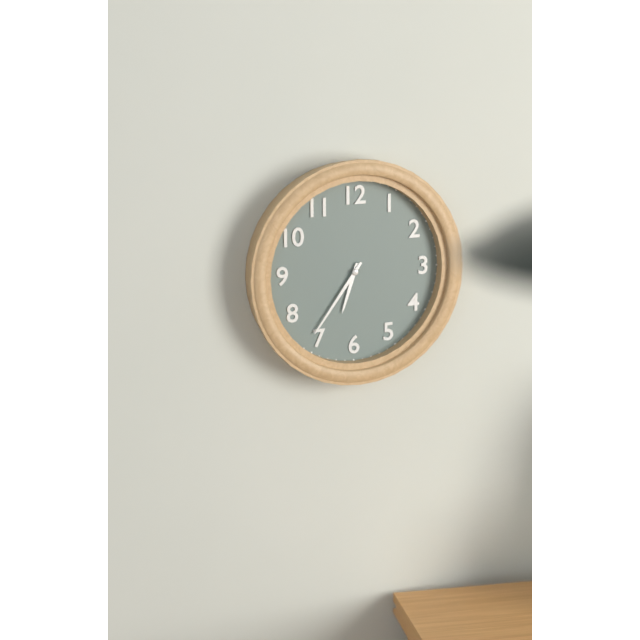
{"hour": 6, "minute": 36}
